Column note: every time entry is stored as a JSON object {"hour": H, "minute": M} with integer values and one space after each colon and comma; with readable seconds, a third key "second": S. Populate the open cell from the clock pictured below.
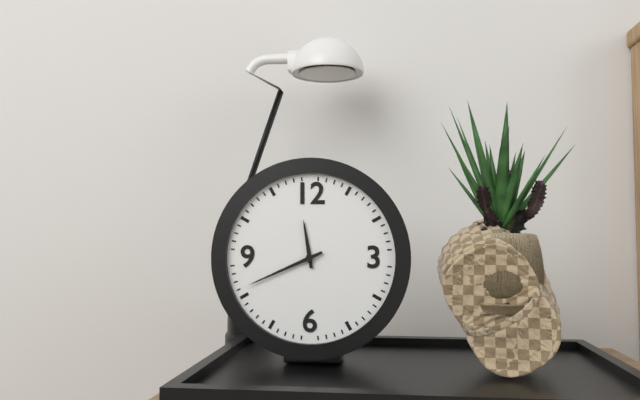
{"hour": 11, "minute": 41}
